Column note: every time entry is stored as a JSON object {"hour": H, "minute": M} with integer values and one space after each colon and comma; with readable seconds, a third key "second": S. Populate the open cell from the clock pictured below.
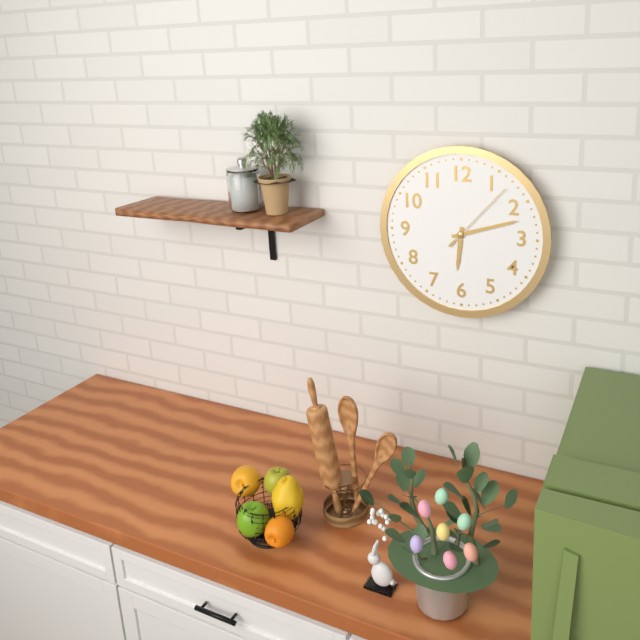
{"hour": 6, "minute": 12, "second": 7}
